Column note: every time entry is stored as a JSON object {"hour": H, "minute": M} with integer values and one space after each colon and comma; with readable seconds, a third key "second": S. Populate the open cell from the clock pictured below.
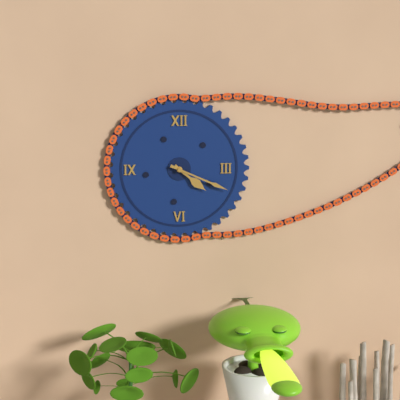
{"hour": 4, "minute": 19}
